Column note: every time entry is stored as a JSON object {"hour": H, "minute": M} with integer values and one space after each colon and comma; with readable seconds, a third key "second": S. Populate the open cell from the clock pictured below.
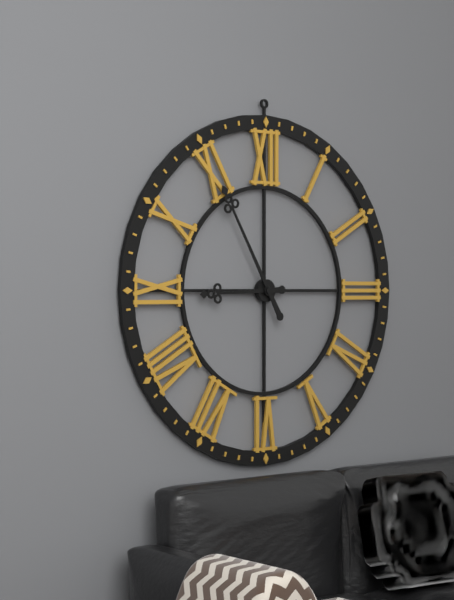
{"hour": 8, "minute": 55}
